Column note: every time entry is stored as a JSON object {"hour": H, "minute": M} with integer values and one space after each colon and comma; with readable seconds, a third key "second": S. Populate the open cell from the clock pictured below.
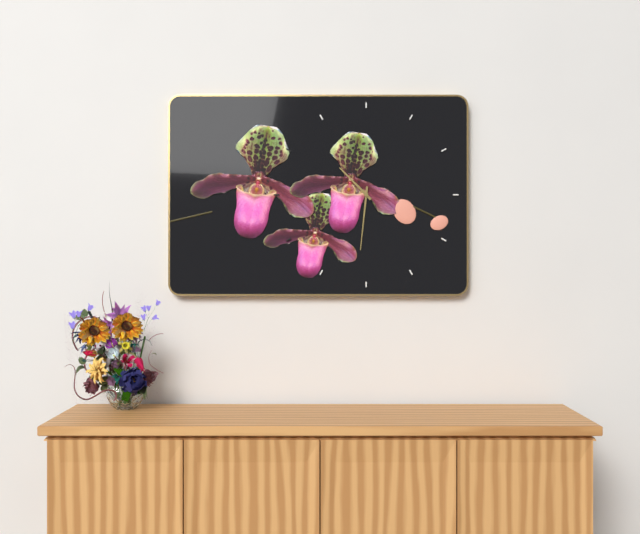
{"hour": 10, "minute": 31}
